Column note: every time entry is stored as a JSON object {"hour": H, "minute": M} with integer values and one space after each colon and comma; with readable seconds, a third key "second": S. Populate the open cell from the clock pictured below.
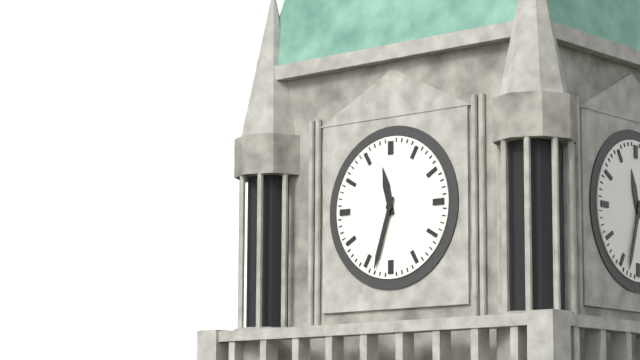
{"hour": 11, "minute": 33}
